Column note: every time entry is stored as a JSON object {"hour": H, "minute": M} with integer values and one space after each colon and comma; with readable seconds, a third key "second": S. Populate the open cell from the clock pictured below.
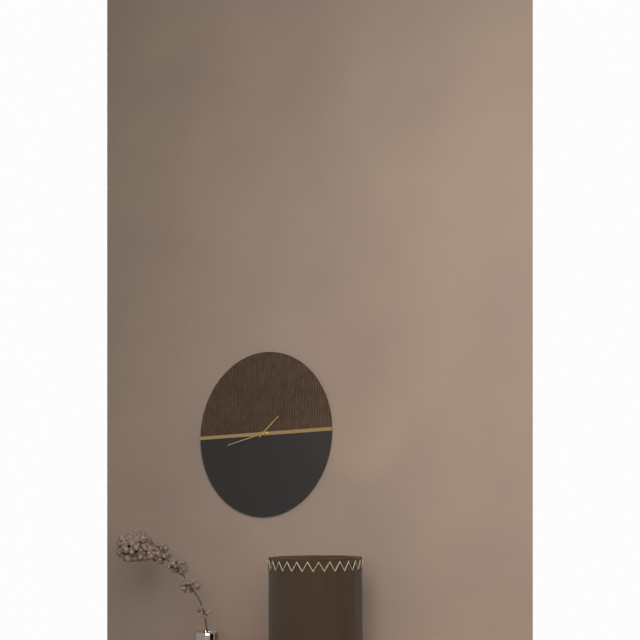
{"hour": 1, "minute": 43}
